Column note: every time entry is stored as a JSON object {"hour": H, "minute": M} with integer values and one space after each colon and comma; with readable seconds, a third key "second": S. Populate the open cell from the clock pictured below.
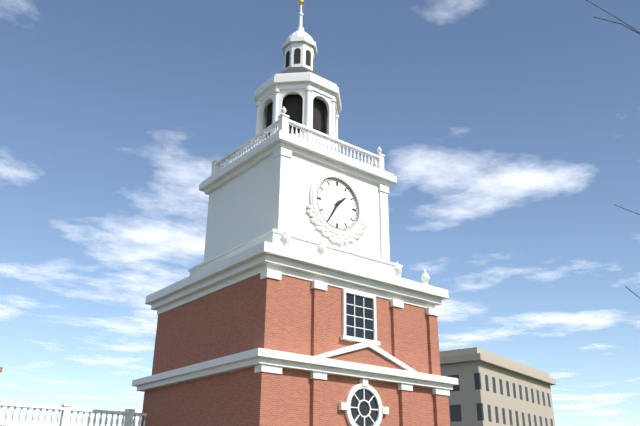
{"hour": 1, "minute": 35}
